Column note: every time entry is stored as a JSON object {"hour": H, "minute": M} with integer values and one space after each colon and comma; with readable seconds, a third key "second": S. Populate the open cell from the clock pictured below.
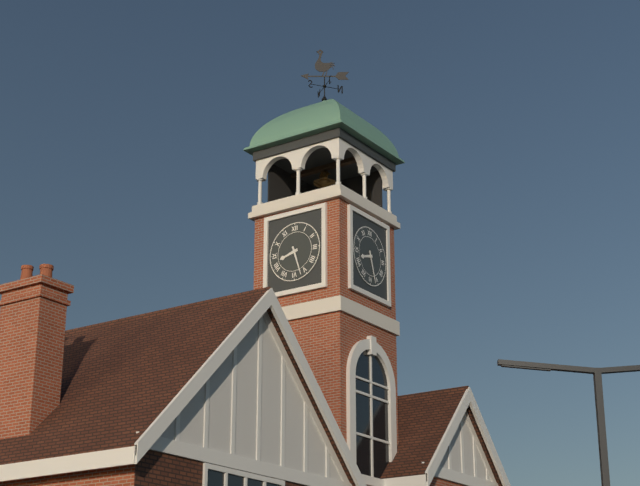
{"hour": 8, "minute": 27}
